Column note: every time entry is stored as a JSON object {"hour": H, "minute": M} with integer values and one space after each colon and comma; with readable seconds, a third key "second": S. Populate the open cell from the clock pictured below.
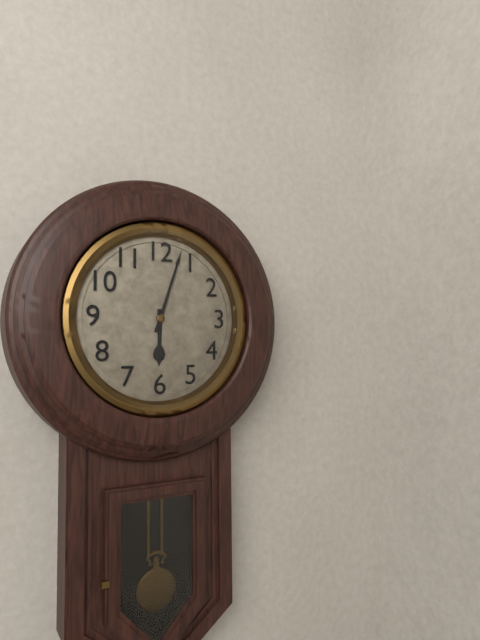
{"hour": 6, "minute": 3}
